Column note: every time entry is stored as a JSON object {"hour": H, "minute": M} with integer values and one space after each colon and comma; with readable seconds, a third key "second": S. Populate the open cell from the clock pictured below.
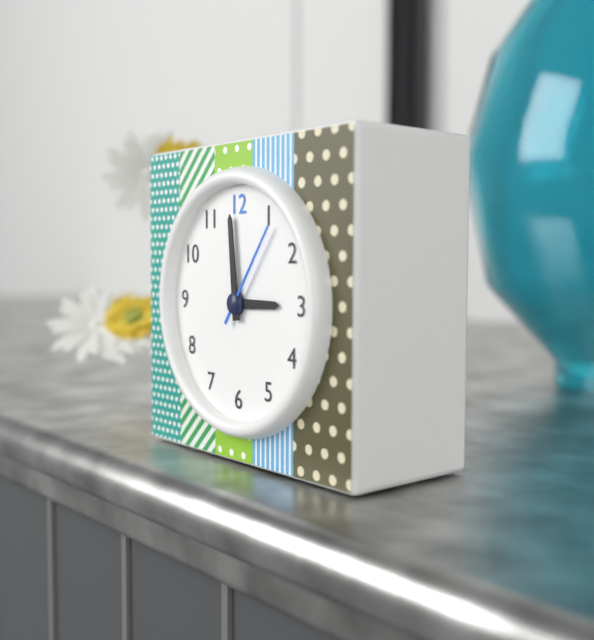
{"hour": 2, "minute": 59, "second": 6}
